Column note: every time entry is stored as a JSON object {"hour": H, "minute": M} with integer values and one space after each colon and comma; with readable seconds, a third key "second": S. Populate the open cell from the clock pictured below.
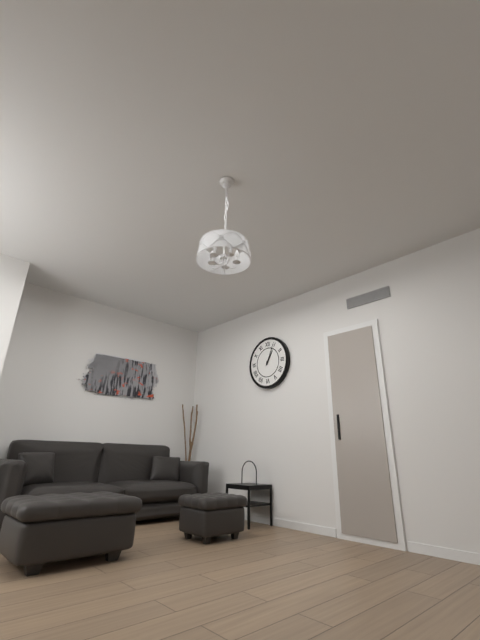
{"hour": 1, "minute": 4}
